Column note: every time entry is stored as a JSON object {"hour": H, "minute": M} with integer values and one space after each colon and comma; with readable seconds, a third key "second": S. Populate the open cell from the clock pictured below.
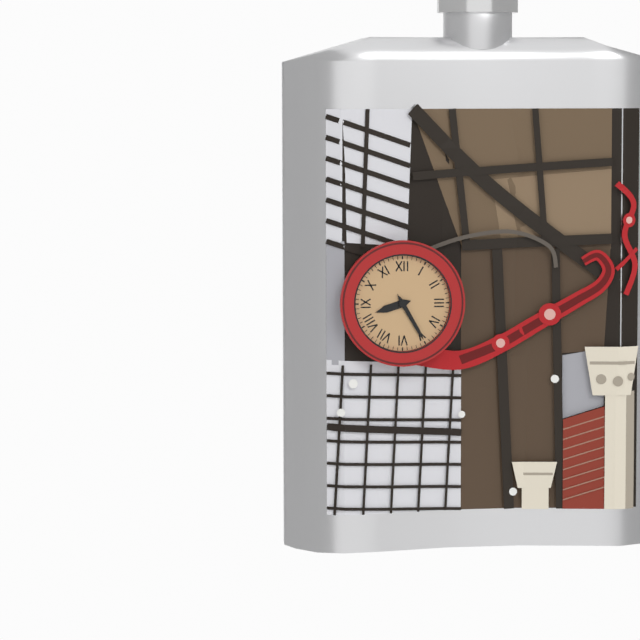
{"hour": 8, "minute": 25}
